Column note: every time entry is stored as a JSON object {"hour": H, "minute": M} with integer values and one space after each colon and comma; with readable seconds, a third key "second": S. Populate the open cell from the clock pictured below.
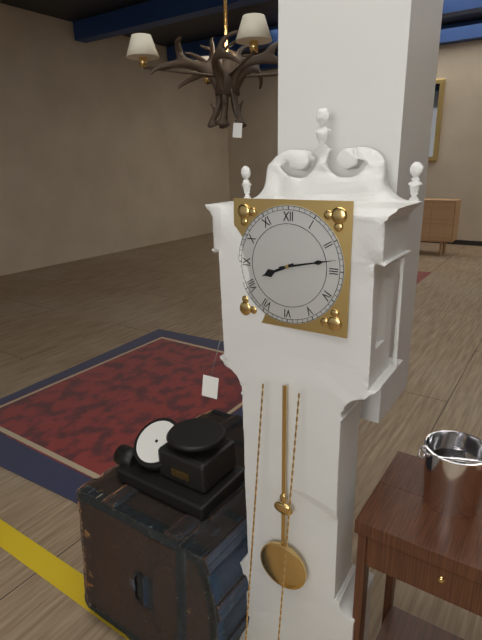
{"hour": 8, "minute": 13}
